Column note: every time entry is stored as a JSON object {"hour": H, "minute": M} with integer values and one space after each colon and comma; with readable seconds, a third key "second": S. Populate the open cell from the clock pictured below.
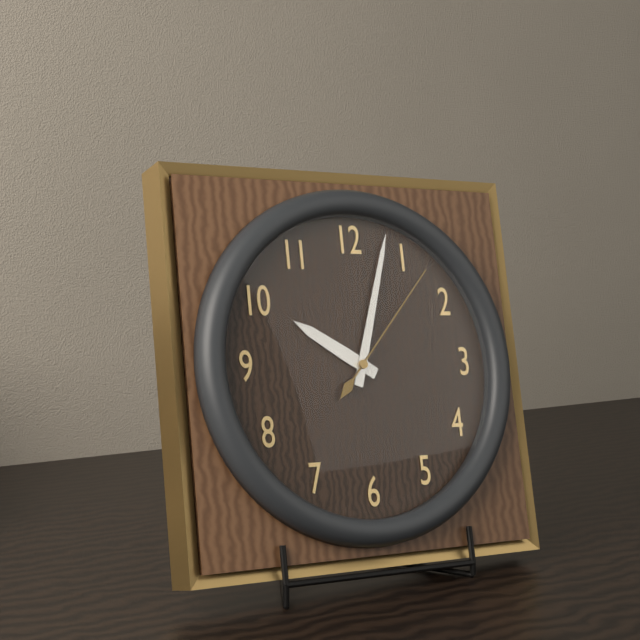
{"hour": 10, "minute": 3, "second": 7}
